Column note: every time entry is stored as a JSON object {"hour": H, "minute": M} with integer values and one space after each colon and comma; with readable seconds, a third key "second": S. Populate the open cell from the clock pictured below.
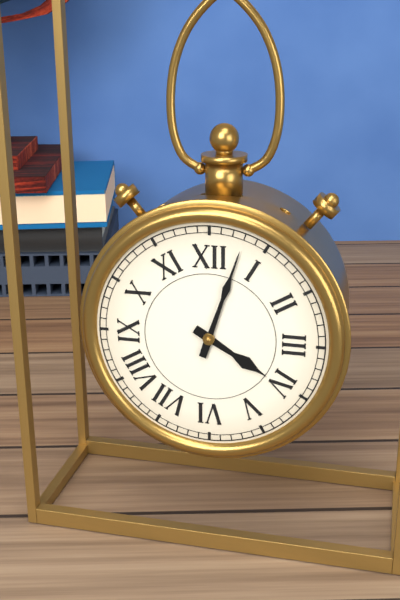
{"hour": 4, "minute": 3}
